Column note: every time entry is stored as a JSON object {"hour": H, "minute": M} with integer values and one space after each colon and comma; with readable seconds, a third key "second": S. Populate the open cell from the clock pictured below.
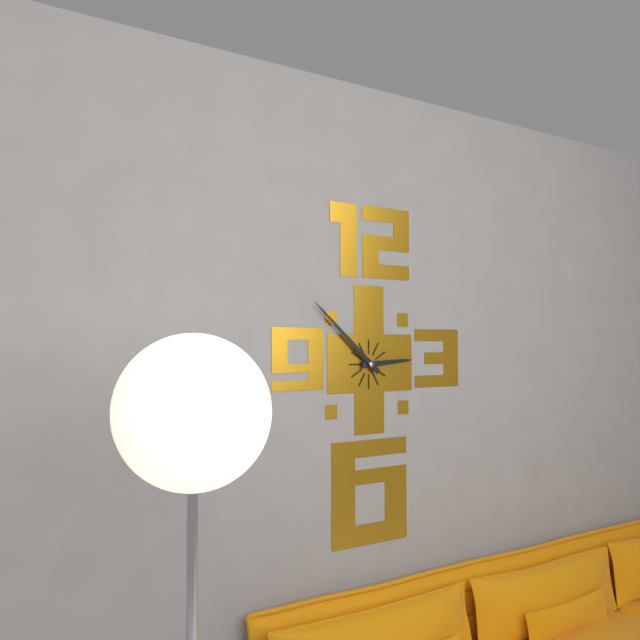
{"hour": 2, "minute": 52}
